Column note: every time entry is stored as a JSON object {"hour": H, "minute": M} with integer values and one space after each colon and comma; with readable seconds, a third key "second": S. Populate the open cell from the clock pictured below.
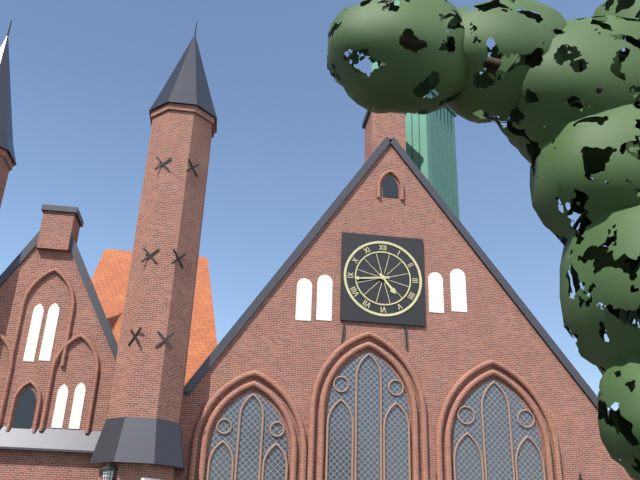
{"hour": 4, "minute": 44}
